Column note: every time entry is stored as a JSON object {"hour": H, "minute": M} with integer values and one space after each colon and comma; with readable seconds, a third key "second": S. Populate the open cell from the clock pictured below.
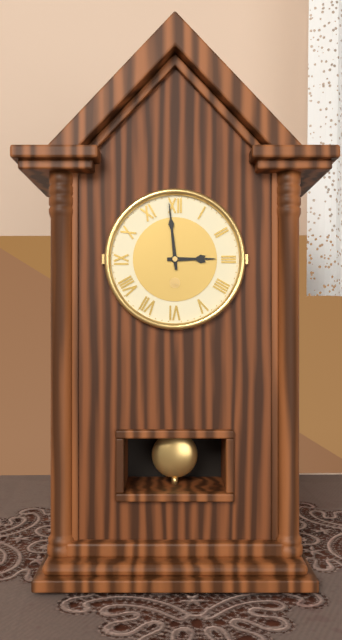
{"hour": 2, "minute": 59}
